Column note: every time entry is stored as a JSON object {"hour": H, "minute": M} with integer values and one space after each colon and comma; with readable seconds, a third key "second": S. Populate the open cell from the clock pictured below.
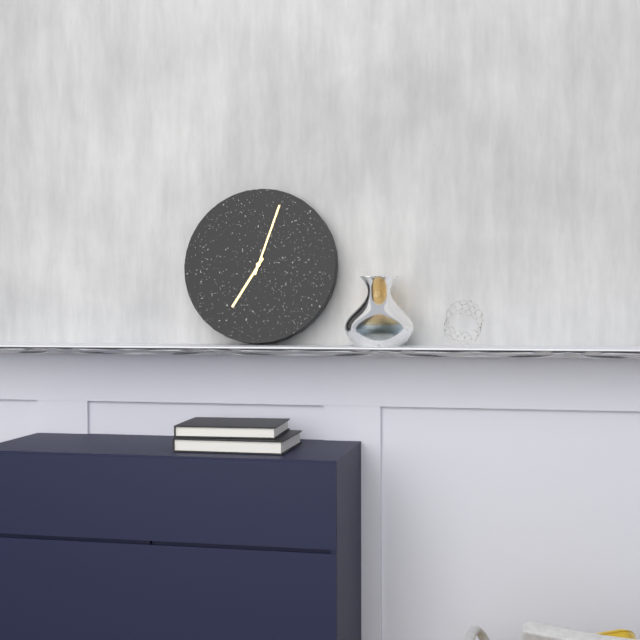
{"hour": 7, "minute": 3}
